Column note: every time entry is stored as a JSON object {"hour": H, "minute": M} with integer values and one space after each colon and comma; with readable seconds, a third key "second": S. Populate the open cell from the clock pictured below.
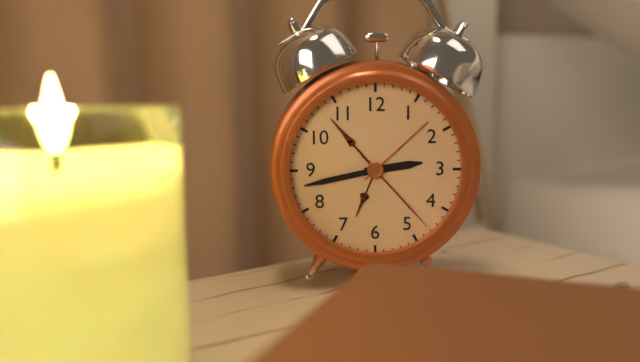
{"hour": 2, "minute": 43, "second": 23}
